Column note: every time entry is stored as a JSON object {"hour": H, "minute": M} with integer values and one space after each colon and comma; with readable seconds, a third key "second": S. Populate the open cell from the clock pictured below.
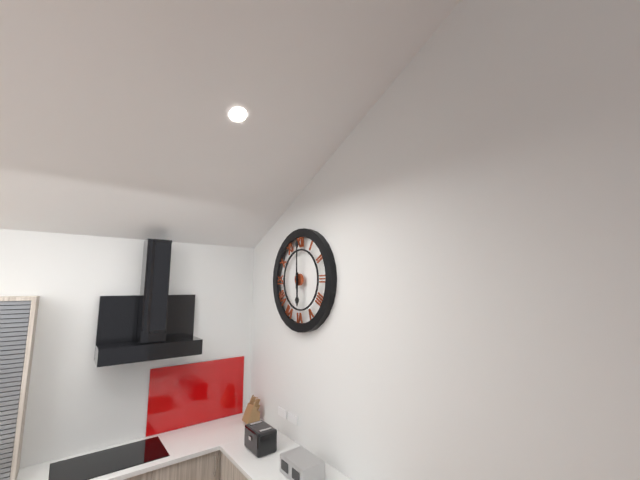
{"hour": 6, "minute": 0}
